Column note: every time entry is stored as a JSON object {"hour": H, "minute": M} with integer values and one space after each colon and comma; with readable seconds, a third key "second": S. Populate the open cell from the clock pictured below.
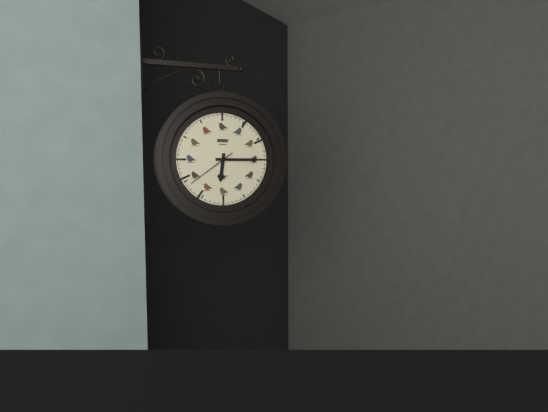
{"hour": 6, "minute": 15, "second": 39}
